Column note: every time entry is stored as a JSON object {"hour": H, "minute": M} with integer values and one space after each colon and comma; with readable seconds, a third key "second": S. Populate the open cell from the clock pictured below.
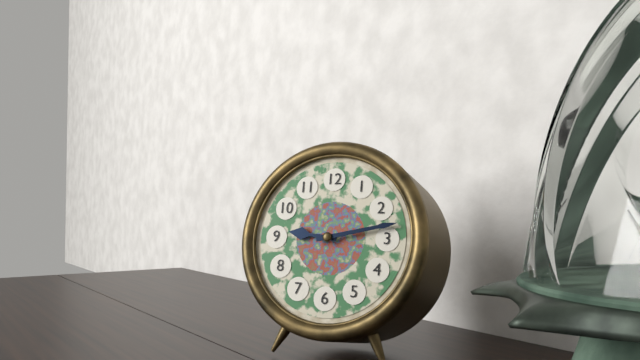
{"hour": 9, "minute": 13}
